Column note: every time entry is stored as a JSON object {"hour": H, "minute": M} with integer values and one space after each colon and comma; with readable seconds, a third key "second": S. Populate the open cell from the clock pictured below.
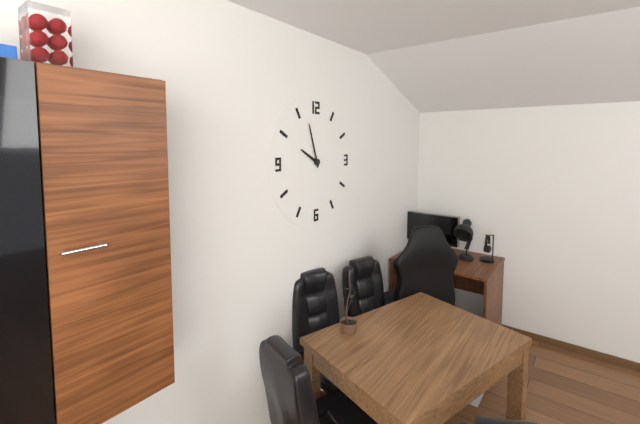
{"hour": 9, "minute": 57}
